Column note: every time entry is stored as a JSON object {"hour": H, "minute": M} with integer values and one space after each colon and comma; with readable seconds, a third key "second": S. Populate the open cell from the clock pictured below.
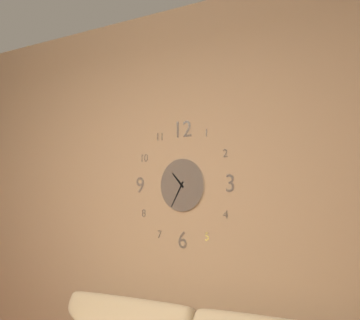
{"hour": 10, "minute": 35}
